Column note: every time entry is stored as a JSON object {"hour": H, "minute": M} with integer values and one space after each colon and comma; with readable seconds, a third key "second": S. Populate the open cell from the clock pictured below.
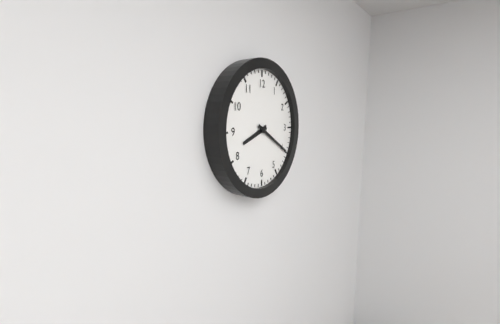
{"hour": 8, "minute": 20}
